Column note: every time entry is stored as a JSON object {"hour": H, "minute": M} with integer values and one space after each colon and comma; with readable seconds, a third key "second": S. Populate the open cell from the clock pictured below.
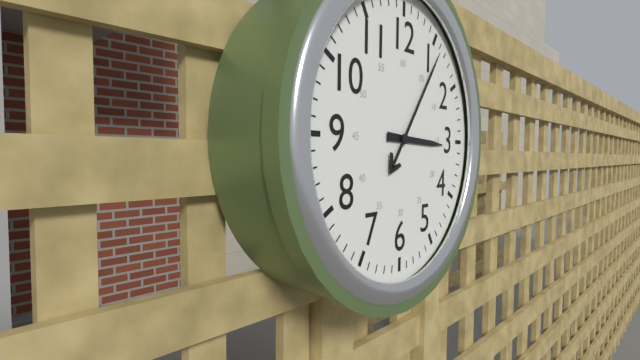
{"hour": 3, "minute": 6}
